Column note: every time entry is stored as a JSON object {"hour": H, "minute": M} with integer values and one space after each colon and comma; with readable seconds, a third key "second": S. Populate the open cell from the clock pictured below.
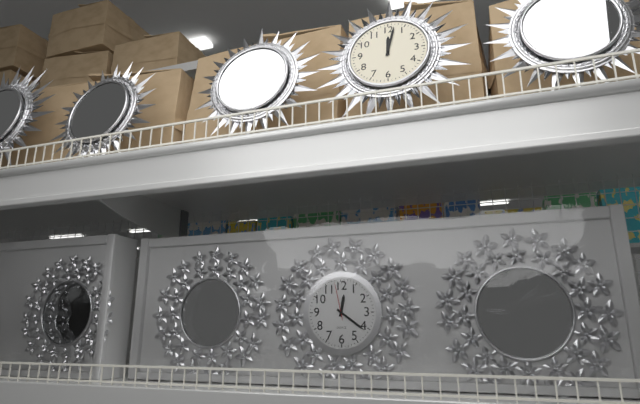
{"hour": 12, "minute": 21}
